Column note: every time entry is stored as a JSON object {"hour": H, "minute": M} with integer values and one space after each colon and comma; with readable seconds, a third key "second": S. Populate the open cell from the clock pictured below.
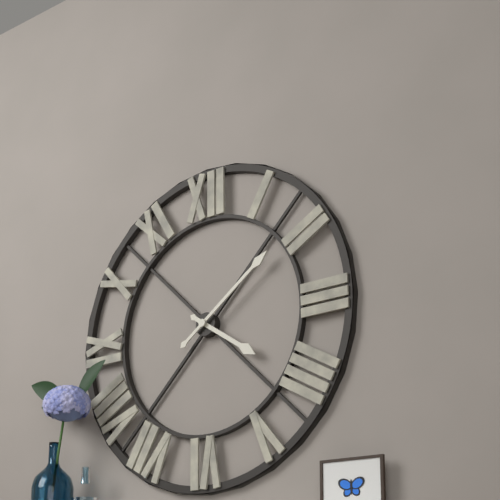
{"hour": 4, "minute": 9}
